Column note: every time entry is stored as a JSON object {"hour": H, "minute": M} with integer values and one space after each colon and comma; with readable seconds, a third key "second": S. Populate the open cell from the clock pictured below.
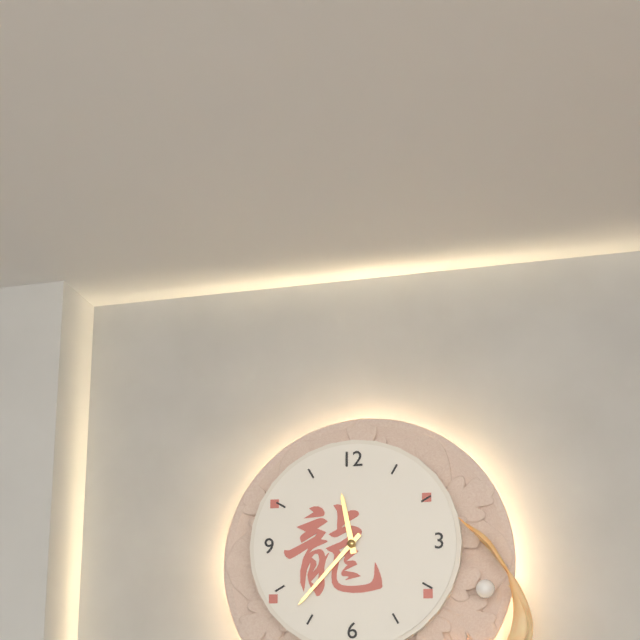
{"hour": 11, "minute": 37}
